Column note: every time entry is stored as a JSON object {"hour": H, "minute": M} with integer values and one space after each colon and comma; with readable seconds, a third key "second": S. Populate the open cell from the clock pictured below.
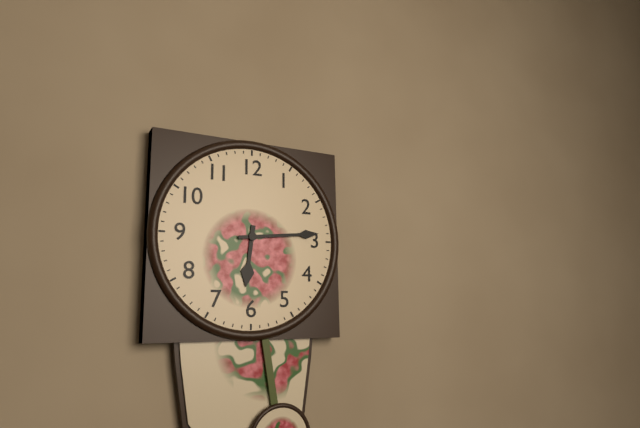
{"hour": 6, "minute": 14}
